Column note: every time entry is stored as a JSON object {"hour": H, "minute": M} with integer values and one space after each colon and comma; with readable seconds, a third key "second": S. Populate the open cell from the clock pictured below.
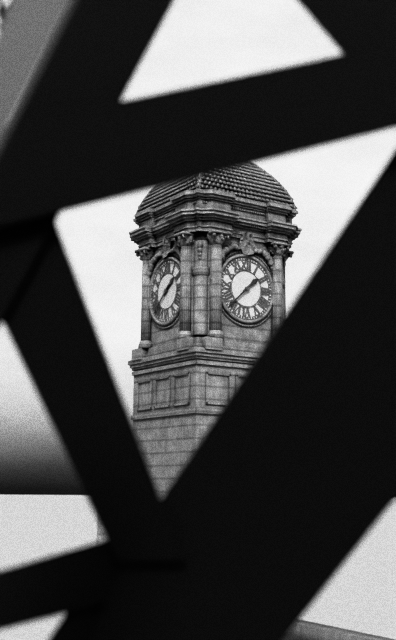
{"hour": 1, "minute": 38}
